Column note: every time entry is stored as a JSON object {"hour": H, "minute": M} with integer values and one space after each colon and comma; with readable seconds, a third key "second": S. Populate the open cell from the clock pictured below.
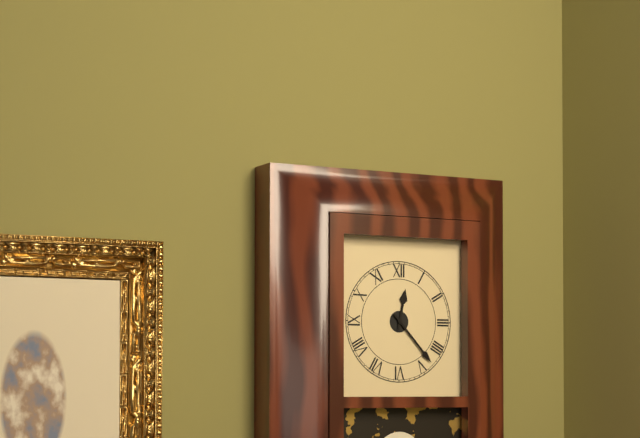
{"hour": 12, "minute": 23}
